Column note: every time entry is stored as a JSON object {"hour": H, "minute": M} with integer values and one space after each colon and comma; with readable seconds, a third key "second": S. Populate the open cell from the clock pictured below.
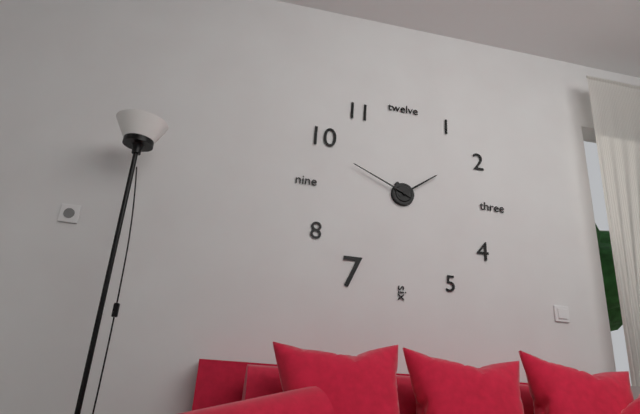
{"hour": 1, "minute": 49}
